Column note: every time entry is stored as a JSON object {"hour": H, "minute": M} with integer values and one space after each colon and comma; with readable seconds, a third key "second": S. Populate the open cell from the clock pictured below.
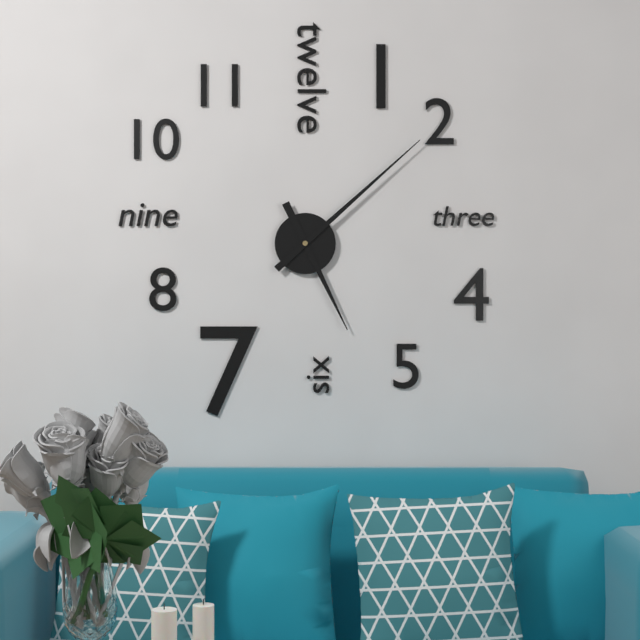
{"hour": 5, "minute": 8}
